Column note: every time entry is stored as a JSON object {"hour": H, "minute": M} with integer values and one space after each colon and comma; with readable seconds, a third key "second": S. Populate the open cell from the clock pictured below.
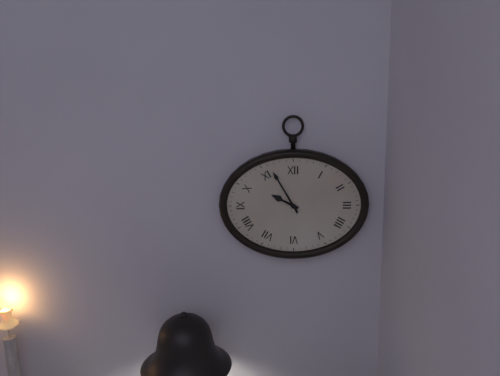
{"hour": 9, "minute": 55}
